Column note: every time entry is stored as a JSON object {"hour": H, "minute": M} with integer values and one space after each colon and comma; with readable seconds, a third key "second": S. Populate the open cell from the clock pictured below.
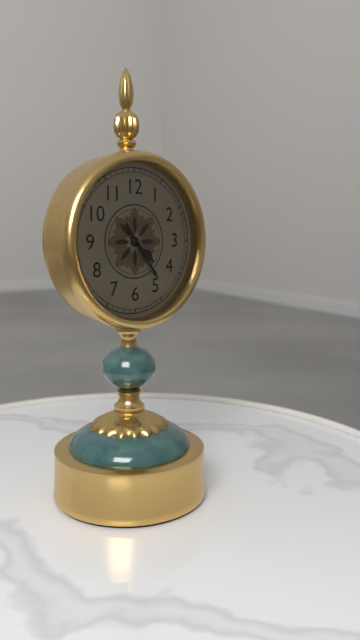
{"hour": 4, "minute": 24}
